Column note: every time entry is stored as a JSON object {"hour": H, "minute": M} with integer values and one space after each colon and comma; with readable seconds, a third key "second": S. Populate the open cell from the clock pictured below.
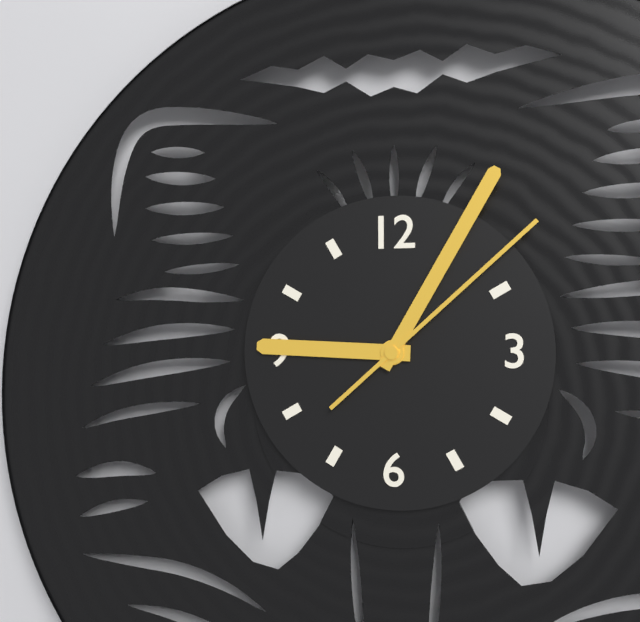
{"hour": 9, "minute": 5, "second": 8}
